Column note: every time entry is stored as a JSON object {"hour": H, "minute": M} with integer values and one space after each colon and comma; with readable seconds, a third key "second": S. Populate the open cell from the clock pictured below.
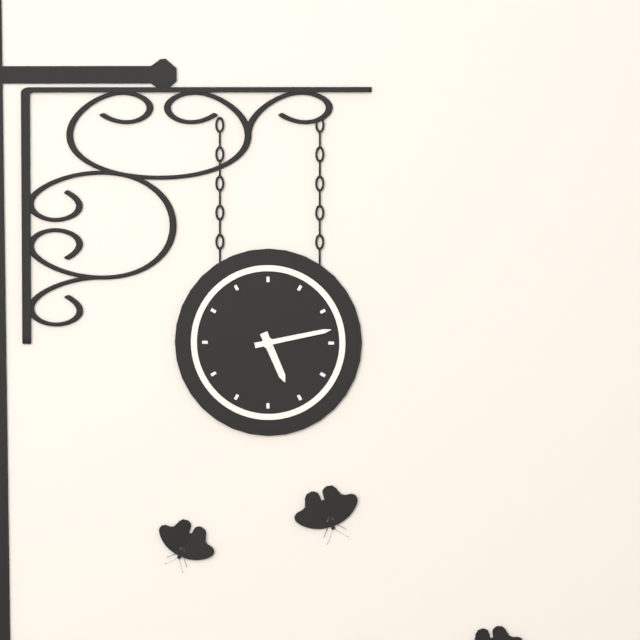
{"hour": 5, "minute": 13}
